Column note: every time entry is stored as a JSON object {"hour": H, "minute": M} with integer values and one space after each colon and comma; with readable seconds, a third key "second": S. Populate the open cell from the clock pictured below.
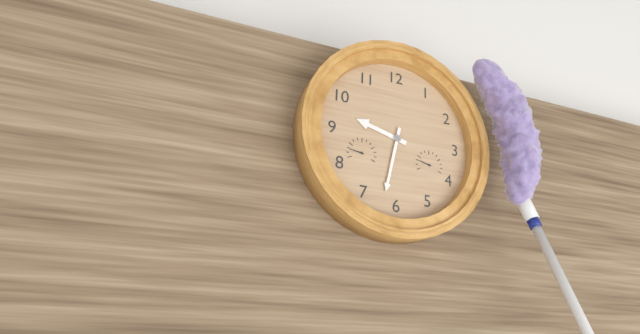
{"hour": 9, "minute": 32}
